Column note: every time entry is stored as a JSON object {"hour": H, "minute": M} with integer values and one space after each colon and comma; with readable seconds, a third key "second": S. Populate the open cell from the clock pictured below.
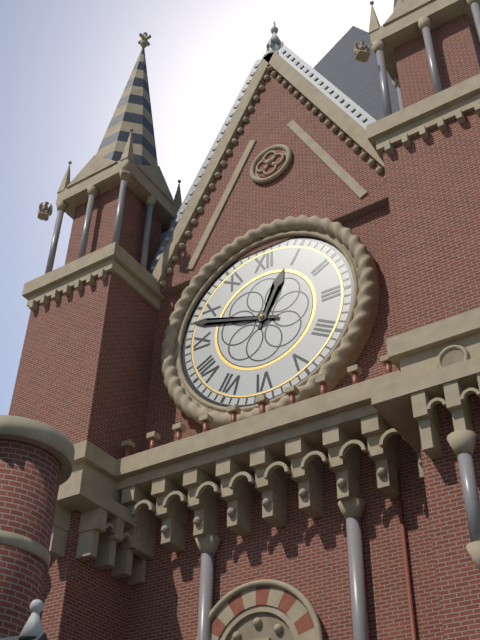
{"hour": 12, "minute": 48}
